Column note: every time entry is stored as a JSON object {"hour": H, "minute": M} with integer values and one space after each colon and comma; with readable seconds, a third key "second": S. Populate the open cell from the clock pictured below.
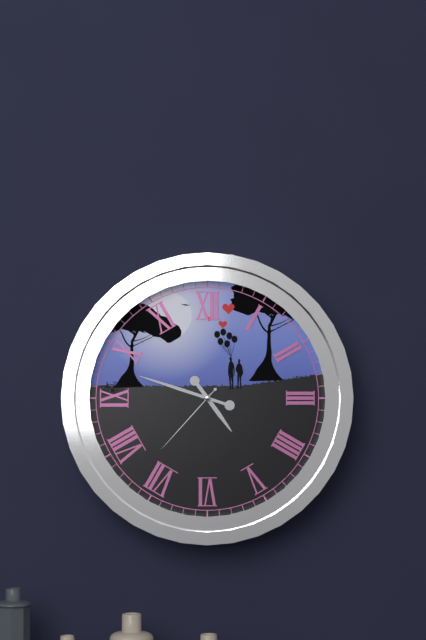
{"hour": 4, "minute": 48, "second": 37}
